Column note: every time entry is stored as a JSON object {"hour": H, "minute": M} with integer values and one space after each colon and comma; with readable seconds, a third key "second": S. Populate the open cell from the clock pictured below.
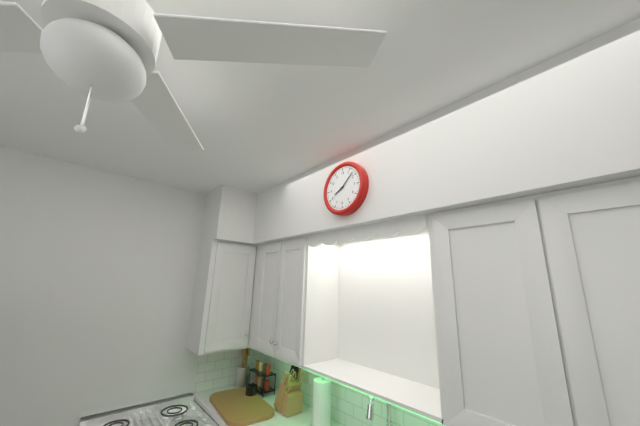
{"hour": 8, "minute": 8}
